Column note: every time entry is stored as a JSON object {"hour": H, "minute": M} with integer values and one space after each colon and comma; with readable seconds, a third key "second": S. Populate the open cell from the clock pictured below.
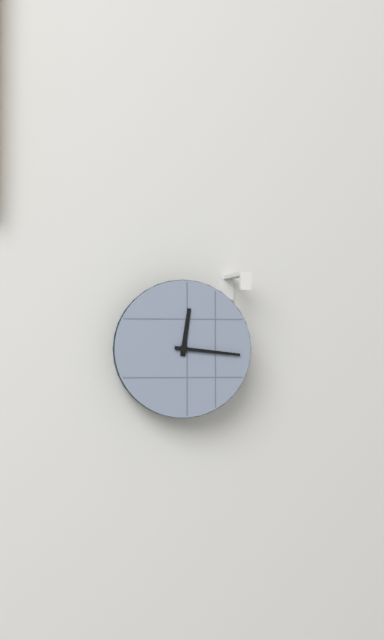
{"hour": 12, "minute": 16}
